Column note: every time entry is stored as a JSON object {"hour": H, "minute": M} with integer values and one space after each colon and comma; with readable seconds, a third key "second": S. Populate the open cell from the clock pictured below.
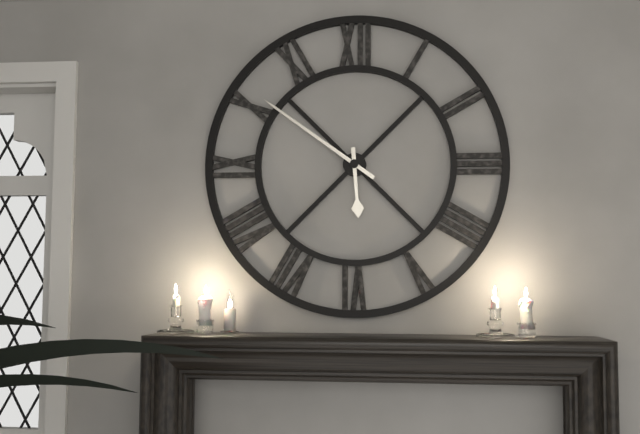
{"hour": 5, "minute": 51}
